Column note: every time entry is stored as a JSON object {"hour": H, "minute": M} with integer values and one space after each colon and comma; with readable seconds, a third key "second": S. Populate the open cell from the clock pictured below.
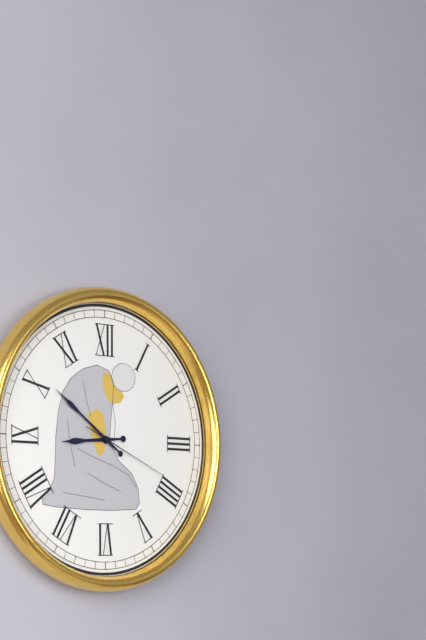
{"hour": 8, "minute": 51, "second": 19}
